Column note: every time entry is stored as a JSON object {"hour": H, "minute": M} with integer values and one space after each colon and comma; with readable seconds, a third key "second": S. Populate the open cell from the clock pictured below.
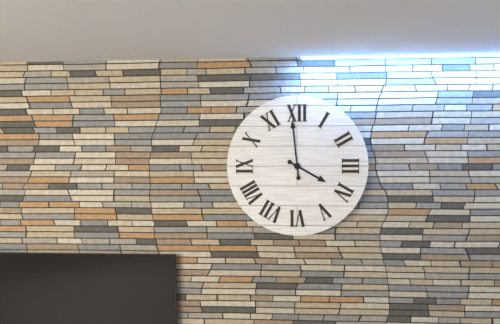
{"hour": 3, "minute": 59}
